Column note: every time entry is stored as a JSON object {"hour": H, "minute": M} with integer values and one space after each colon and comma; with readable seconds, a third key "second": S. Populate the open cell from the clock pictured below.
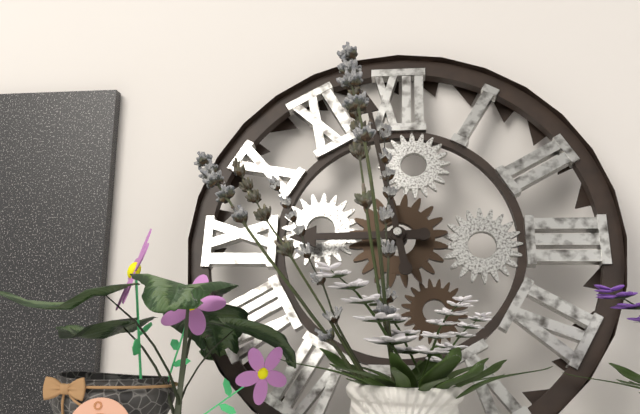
{"hour": 8, "minute": 58}
